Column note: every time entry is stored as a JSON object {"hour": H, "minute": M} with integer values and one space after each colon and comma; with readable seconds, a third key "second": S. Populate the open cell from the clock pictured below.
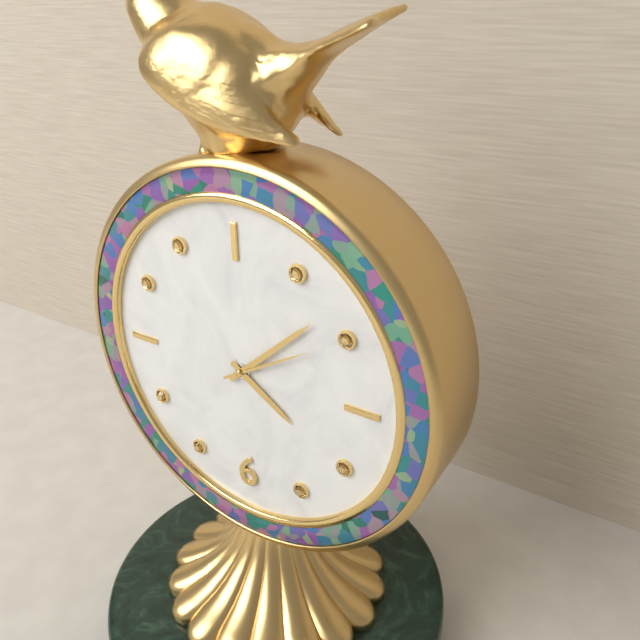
{"hour": 4, "minute": 8, "second": 10}
